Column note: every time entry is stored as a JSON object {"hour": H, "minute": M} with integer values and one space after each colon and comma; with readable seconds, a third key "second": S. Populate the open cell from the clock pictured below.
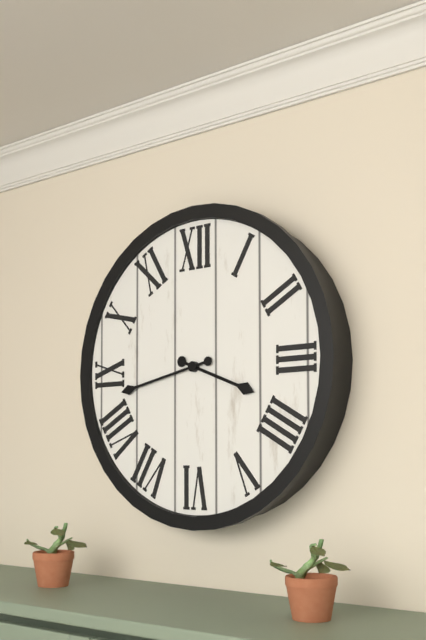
{"hour": 3, "minute": 43}
